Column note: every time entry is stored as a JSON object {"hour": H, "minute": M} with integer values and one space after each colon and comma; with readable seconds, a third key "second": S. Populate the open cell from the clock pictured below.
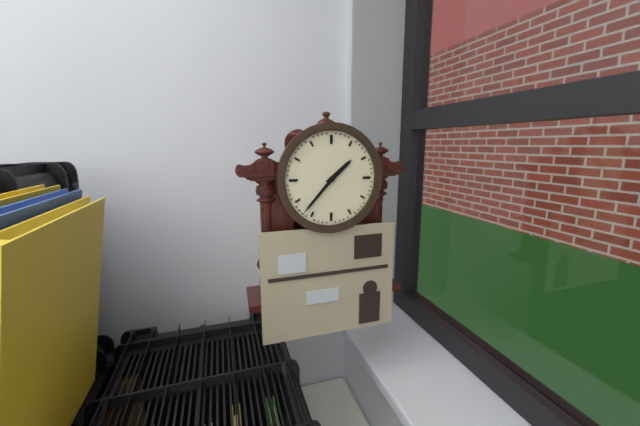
{"hour": 1, "minute": 37}
